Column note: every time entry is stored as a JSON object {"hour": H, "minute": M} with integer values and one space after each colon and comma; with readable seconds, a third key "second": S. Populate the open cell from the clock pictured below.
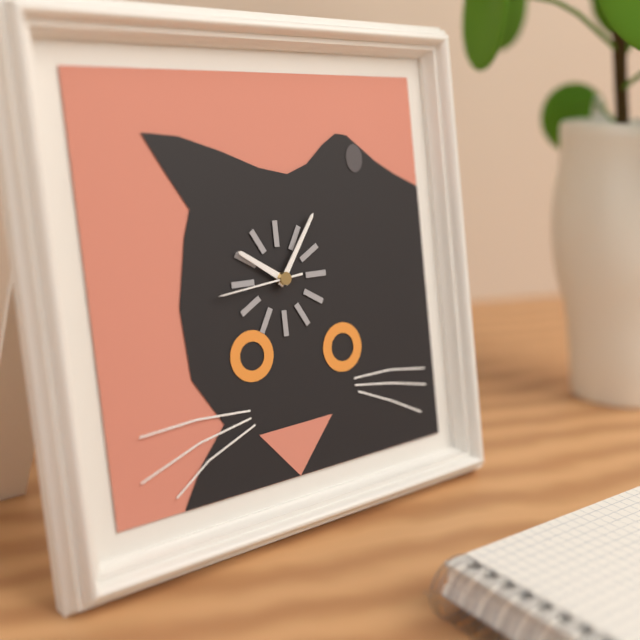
{"hour": 10, "minute": 6, "second": 44}
